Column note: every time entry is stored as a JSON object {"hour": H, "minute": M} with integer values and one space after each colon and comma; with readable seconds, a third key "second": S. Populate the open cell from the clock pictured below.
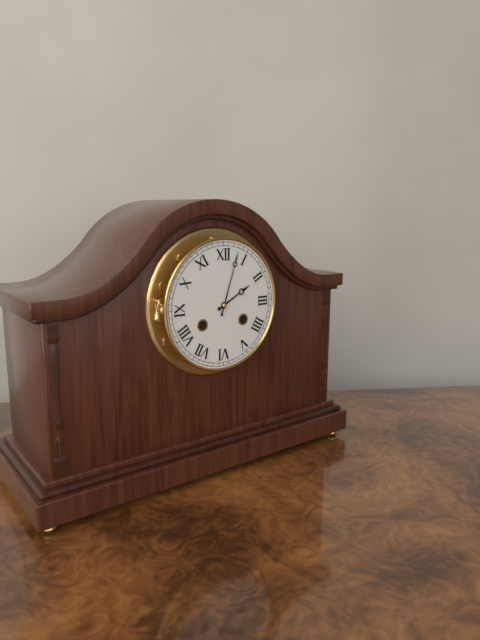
{"hour": 2, "minute": 3}
